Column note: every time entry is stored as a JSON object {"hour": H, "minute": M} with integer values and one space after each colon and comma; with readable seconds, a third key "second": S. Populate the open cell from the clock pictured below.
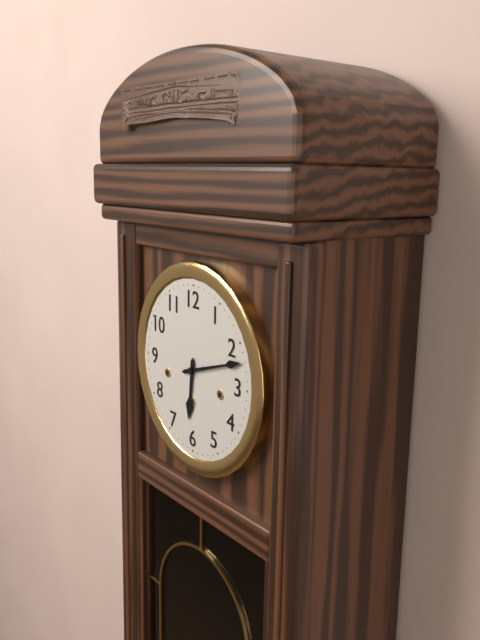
{"hour": 6, "minute": 12}
